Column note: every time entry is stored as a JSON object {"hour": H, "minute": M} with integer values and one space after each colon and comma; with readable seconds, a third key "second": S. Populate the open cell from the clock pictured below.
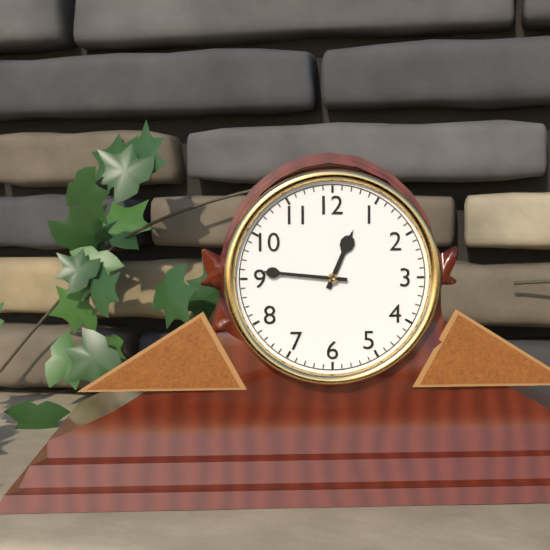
{"hour": 12, "minute": 46}
